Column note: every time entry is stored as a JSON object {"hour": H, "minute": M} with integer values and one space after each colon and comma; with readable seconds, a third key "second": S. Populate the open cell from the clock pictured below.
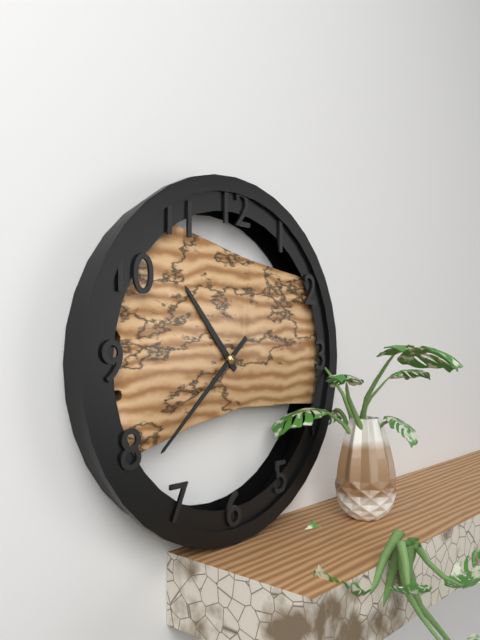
{"hour": 10, "minute": 38}
